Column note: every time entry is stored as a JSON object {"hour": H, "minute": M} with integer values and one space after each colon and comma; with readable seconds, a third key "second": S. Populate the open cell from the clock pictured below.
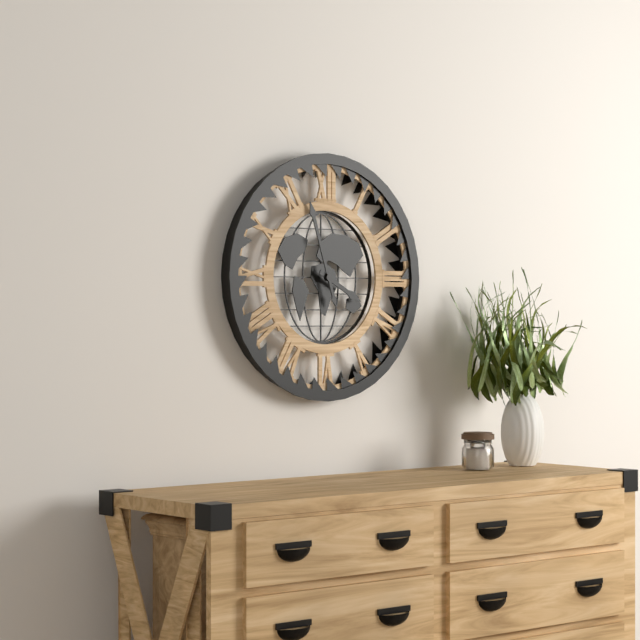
{"hour": 3, "minute": 57}
